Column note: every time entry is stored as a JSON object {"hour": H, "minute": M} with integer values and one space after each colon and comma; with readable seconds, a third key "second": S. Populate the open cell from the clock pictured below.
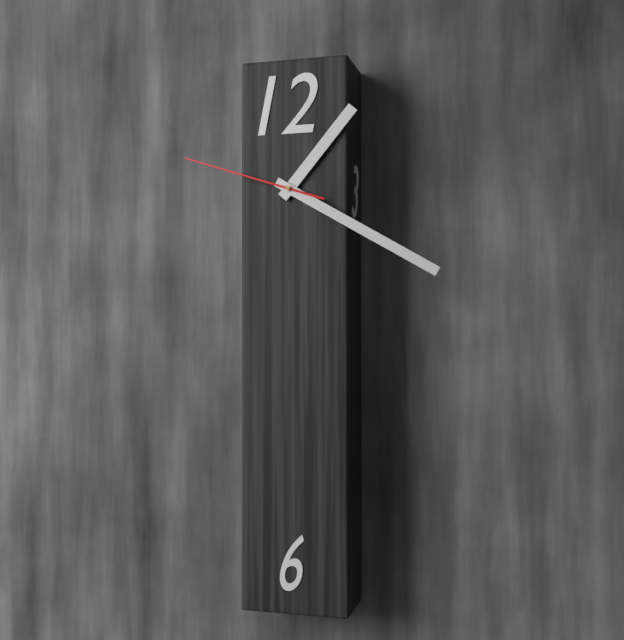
{"hour": 1, "minute": 20, "second": 48}
